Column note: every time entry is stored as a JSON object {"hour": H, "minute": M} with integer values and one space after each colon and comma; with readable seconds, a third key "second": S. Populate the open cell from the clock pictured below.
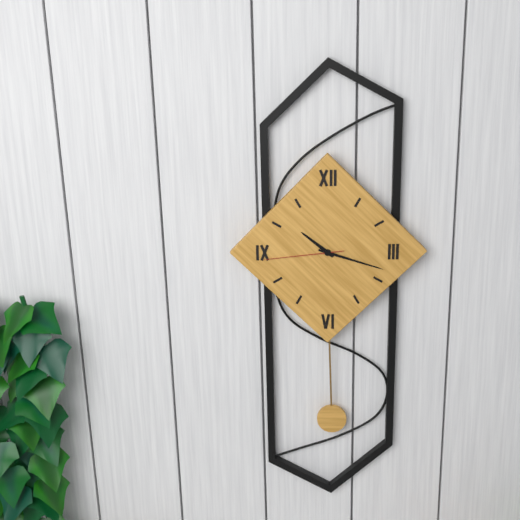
{"hour": 10, "minute": 18, "second": 44}
